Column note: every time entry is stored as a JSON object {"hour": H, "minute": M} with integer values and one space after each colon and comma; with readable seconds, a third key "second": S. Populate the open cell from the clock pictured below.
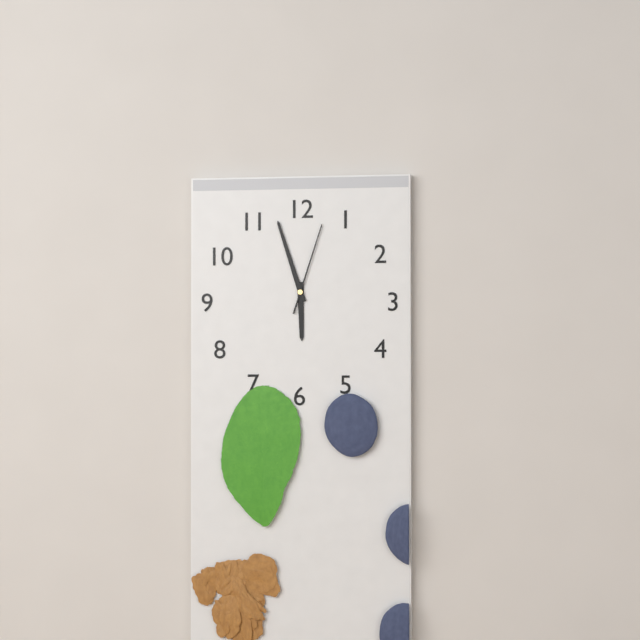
{"hour": 5, "minute": 57, "second": 3}
